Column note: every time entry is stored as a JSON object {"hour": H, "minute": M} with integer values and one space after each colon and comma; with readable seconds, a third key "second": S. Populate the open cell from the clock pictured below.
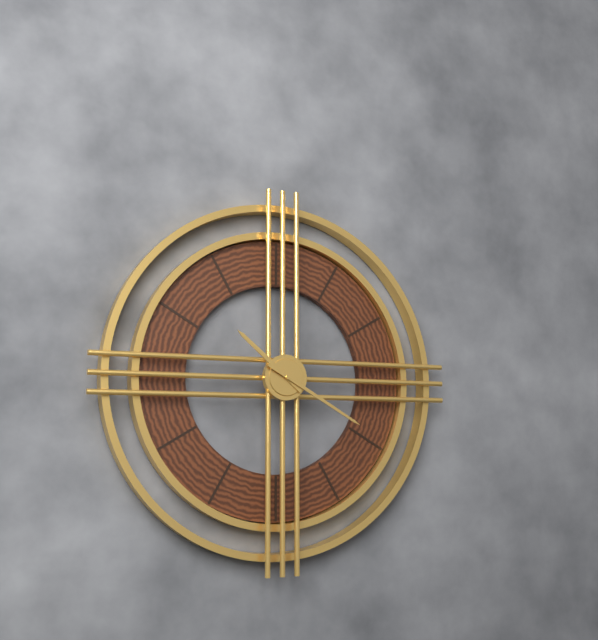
{"hour": 10, "minute": 20}
